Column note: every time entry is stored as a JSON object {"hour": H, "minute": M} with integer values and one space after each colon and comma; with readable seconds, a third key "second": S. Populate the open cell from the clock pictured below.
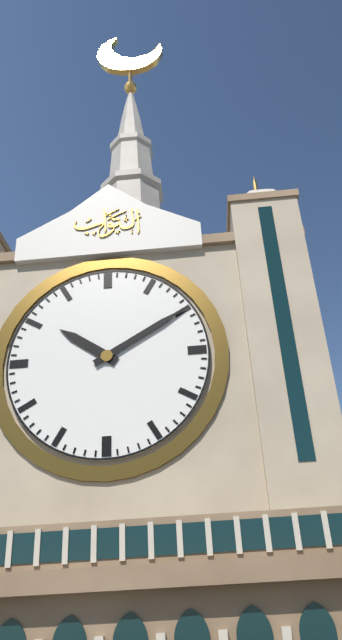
{"hour": 10, "minute": 10}
